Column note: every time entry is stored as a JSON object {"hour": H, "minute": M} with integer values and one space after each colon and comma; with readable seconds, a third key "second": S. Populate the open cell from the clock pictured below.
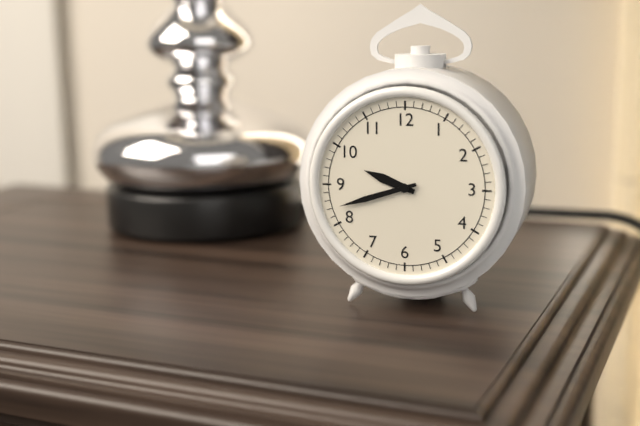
{"hour": 9, "minute": 42}
